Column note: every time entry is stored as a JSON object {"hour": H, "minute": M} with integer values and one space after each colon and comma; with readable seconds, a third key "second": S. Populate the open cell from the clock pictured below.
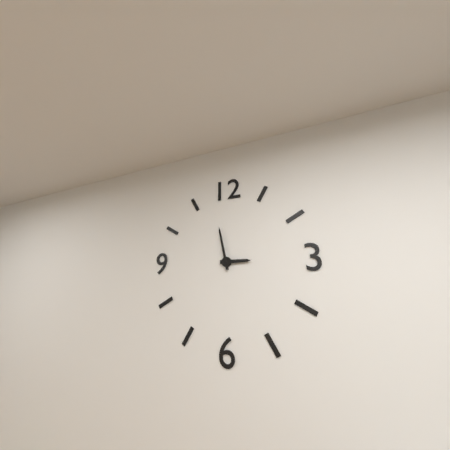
{"hour": 2, "minute": 58}
